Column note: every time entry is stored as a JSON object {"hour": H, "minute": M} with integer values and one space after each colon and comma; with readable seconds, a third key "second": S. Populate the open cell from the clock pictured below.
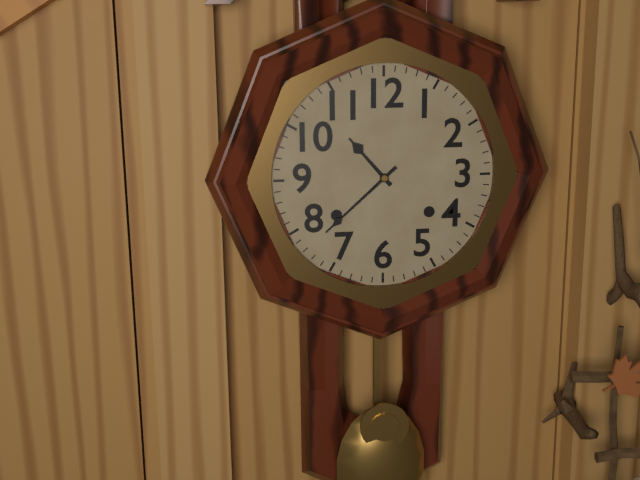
{"hour": 10, "minute": 38}
